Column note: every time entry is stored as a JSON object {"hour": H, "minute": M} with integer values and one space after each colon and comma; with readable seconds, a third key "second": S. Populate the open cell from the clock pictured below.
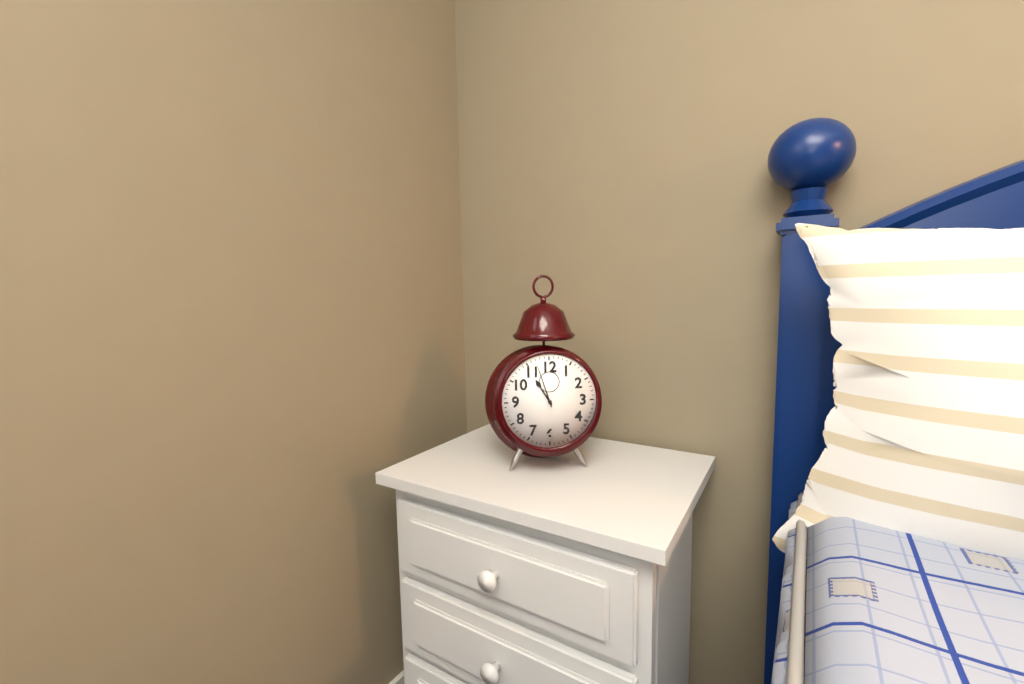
{"hour": 10, "minute": 57}
